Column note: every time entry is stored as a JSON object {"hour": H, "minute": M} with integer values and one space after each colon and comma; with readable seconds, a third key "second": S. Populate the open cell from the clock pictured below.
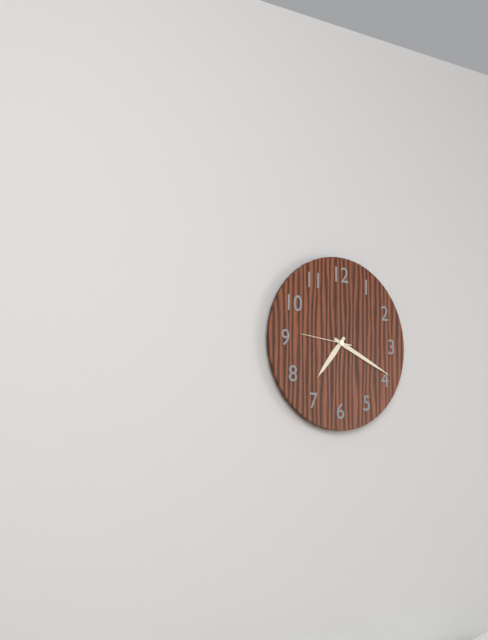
{"hour": 7, "minute": 19, "second": 46}
